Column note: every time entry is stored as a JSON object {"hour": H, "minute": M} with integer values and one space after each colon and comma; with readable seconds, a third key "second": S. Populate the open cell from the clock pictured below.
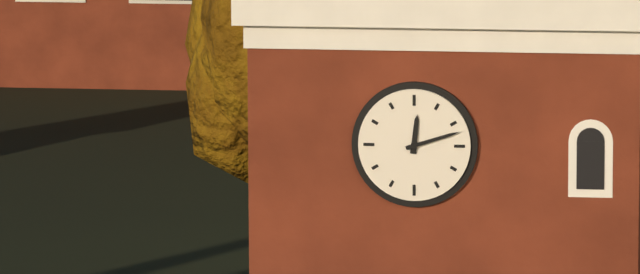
{"hour": 12, "minute": 12}
